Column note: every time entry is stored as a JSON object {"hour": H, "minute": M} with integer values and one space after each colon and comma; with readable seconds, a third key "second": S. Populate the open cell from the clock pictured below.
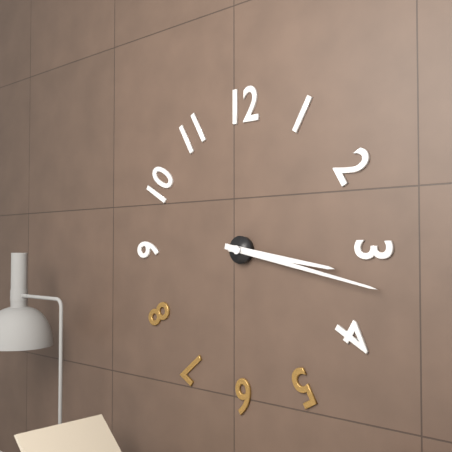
{"hour": 3, "minute": 17}
